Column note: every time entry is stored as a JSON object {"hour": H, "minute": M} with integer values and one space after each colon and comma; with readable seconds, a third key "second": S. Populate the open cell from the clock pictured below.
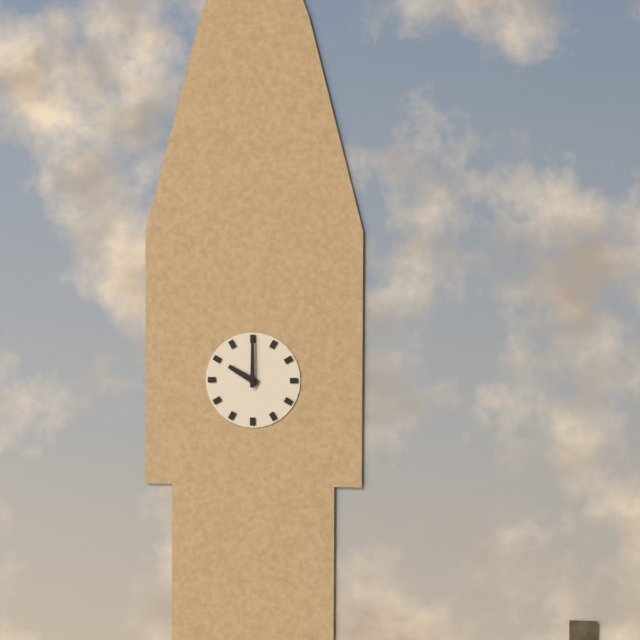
{"hour": 10, "minute": 0}
